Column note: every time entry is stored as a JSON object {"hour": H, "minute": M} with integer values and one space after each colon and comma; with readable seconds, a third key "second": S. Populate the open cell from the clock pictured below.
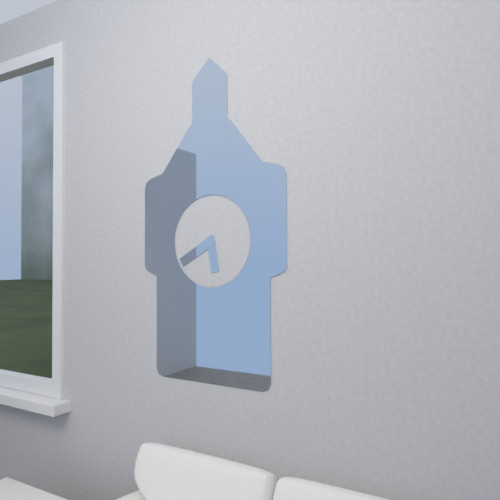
{"hour": 5, "minute": 40}
